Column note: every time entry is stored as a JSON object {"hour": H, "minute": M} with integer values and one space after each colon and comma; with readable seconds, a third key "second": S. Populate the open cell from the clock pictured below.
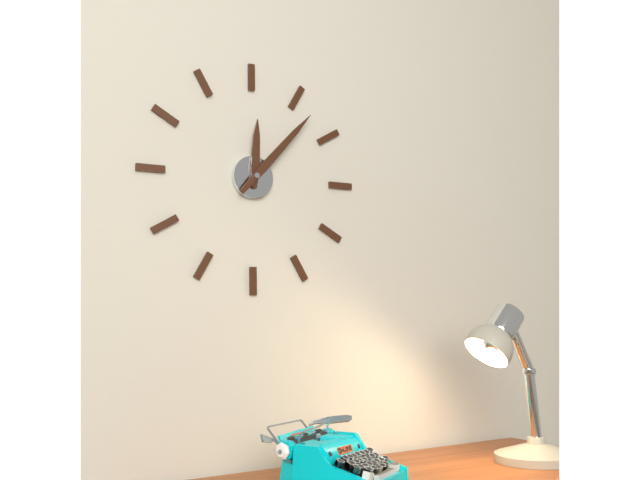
{"hour": 12, "minute": 7}
